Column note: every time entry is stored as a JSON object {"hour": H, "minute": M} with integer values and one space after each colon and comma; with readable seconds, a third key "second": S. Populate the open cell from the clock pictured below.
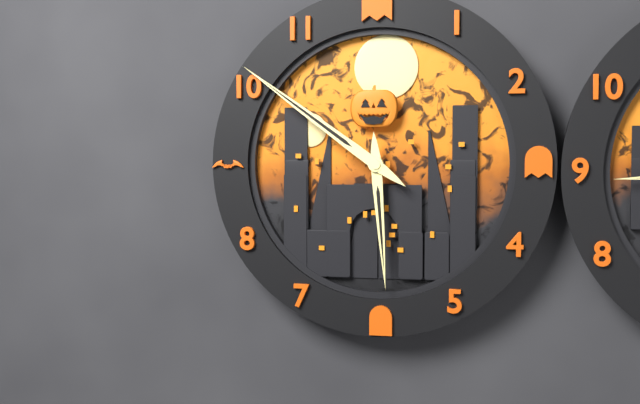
{"hour": 5, "minute": 51}
